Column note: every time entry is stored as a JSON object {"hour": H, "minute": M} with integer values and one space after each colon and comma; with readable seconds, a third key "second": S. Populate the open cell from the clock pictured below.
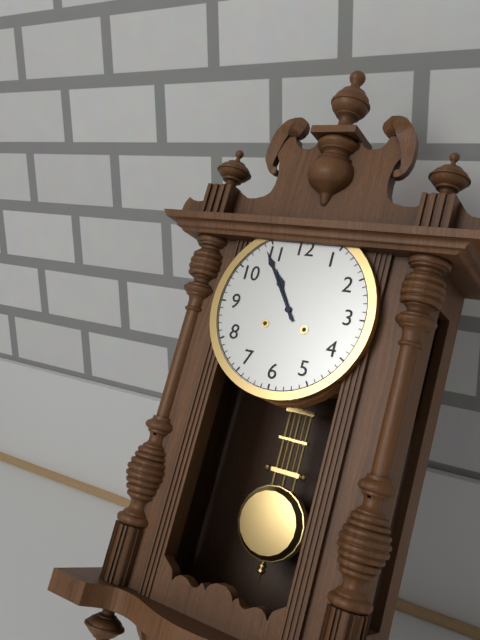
{"hour": 10, "minute": 54}
